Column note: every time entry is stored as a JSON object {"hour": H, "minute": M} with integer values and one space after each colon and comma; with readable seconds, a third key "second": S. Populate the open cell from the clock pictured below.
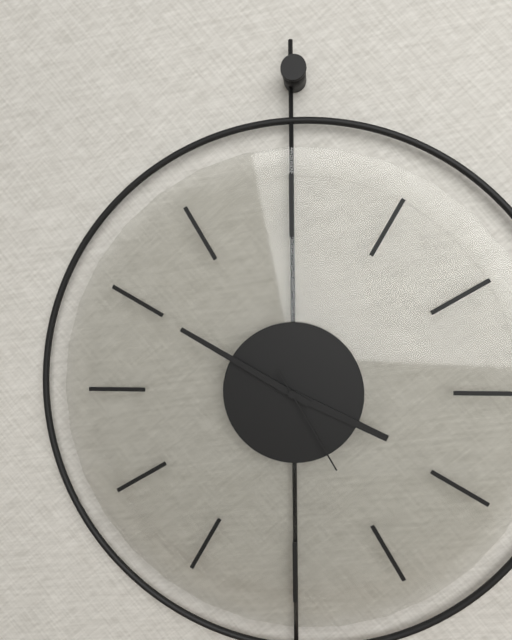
{"hour": 3, "minute": 50, "second": 25}
